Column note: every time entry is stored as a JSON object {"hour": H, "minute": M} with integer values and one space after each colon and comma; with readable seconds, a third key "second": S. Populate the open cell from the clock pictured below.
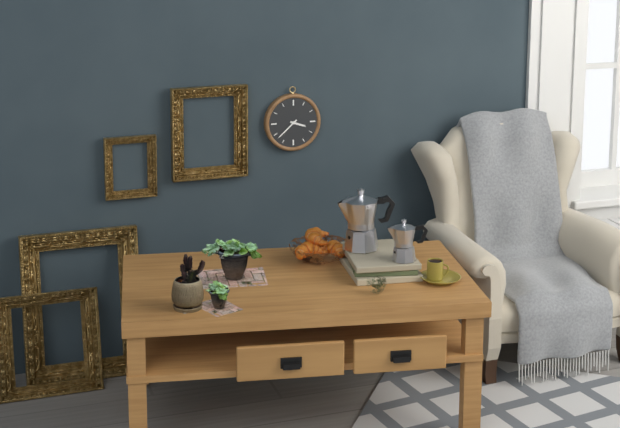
{"hour": 3, "minute": 38}
